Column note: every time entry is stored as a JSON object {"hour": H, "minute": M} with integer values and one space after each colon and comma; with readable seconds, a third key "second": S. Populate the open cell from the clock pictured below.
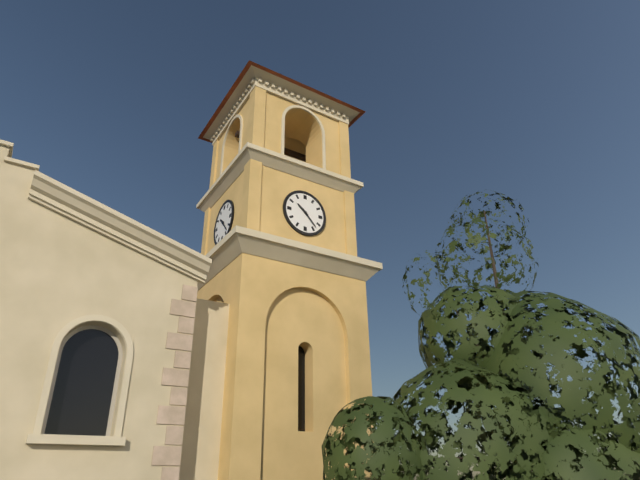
{"hour": 10, "minute": 23}
